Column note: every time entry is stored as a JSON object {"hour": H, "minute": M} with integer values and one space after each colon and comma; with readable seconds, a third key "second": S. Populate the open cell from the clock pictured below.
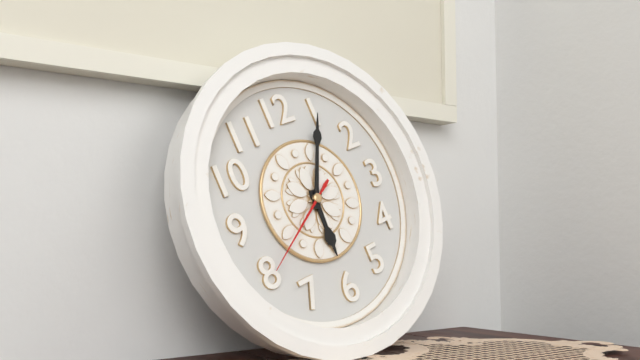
{"hour": 6, "minute": 5, "second": 40}
